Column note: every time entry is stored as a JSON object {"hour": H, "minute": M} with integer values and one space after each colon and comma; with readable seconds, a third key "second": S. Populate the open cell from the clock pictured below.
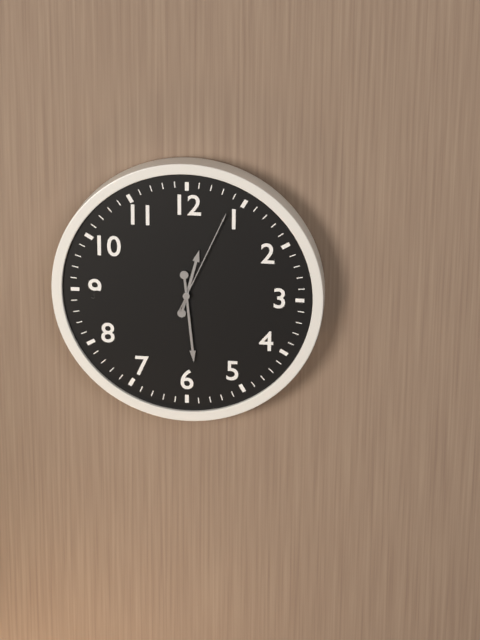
{"hour": 12, "minute": 29, "second": 4}
